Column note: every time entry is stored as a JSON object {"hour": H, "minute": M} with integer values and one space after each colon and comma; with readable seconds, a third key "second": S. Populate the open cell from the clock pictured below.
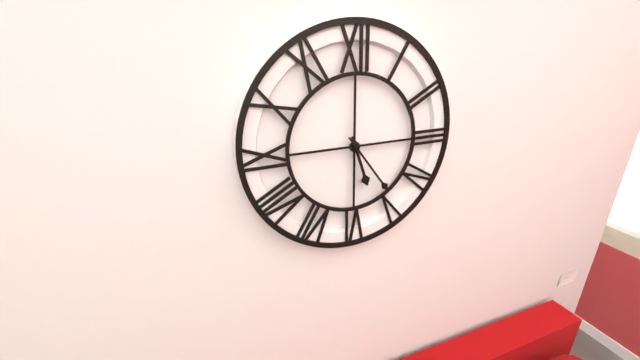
{"hour": 5, "minute": 24}
